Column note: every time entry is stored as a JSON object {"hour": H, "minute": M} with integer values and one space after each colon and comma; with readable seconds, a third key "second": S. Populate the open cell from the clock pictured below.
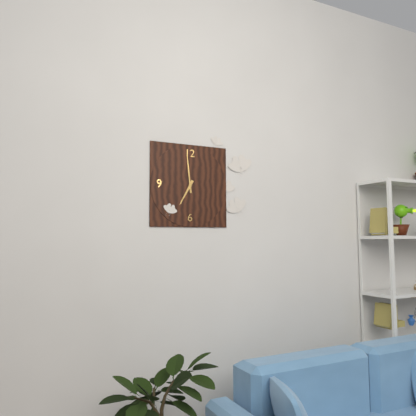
{"hour": 6, "minute": 59}
